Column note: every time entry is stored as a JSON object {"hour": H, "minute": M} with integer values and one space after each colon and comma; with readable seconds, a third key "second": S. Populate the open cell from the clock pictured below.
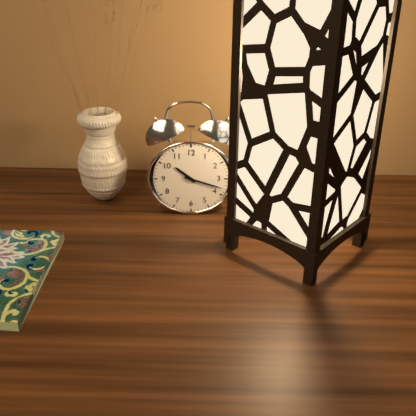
{"hour": 10, "minute": 18}
